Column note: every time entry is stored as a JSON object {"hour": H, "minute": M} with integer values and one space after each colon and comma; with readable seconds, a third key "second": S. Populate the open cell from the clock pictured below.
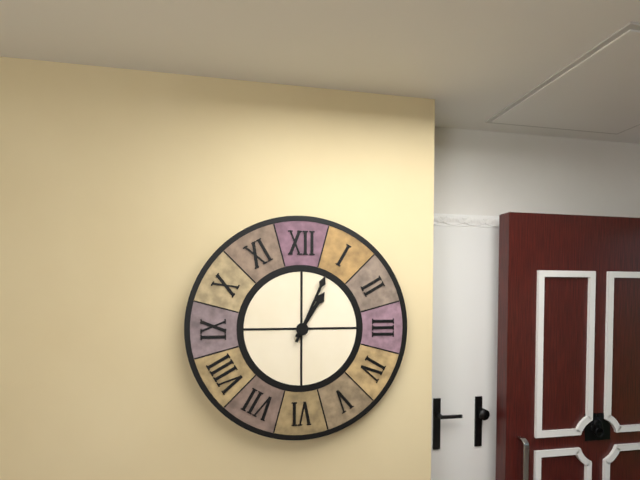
{"hour": 1, "minute": 4}
